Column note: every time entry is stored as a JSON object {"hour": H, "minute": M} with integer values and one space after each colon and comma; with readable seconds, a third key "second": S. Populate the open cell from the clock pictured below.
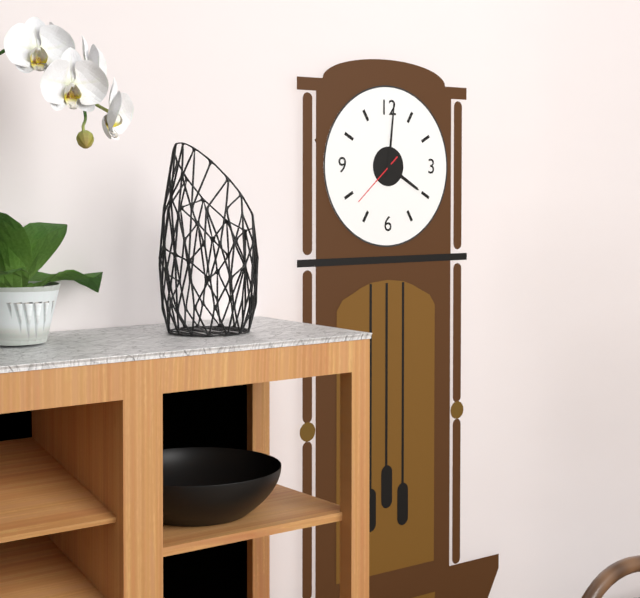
{"hour": 4, "minute": 1, "second": 38}
